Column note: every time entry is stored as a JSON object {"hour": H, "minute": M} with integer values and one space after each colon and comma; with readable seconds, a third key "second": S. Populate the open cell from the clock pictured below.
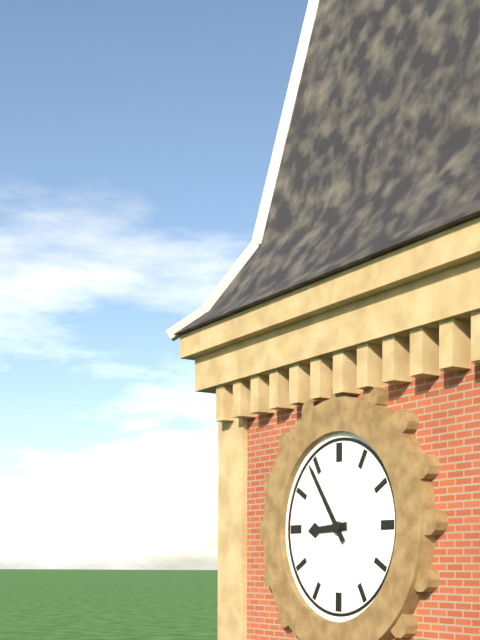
{"hour": 8, "minute": 54}
